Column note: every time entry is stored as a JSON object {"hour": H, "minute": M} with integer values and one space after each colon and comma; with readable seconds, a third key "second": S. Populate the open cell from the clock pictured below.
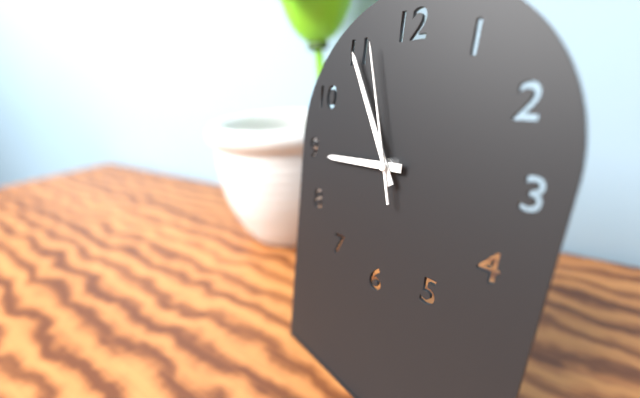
{"hour": 8, "minute": 55, "second": 57}
